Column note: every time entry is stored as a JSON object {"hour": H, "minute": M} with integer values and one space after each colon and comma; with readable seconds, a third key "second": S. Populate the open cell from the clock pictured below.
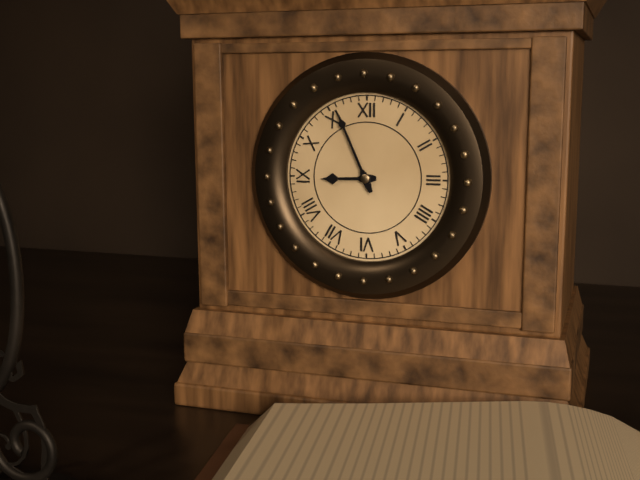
{"hour": 8, "minute": 56}
